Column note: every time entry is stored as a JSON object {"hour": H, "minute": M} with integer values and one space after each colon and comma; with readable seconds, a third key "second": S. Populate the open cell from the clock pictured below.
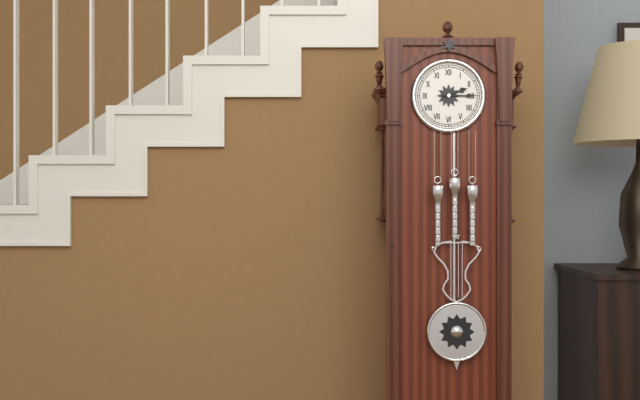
{"hour": 2, "minute": 15}
